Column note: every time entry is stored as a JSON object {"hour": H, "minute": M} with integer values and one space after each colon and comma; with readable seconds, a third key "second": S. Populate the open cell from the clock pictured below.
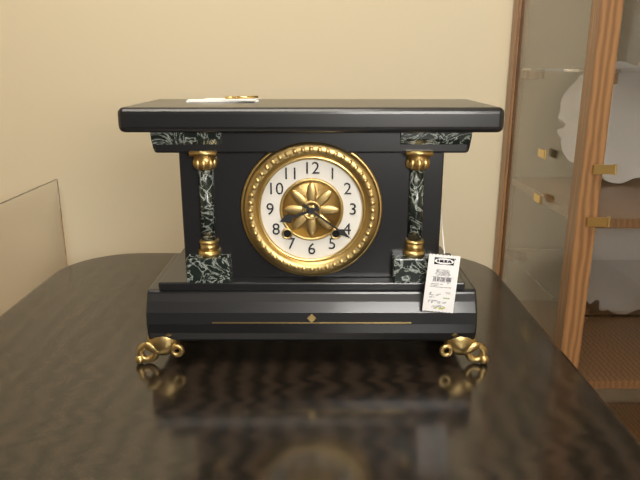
{"hour": 8, "minute": 21}
